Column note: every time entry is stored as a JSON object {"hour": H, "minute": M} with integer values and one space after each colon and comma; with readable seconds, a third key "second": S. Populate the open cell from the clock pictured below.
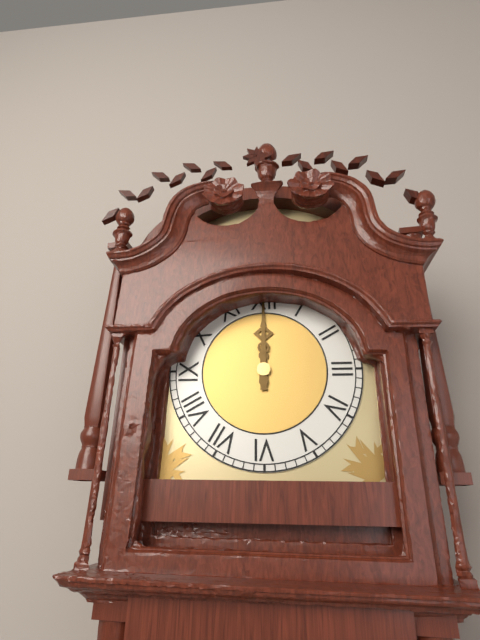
{"hour": 12, "minute": 0}
